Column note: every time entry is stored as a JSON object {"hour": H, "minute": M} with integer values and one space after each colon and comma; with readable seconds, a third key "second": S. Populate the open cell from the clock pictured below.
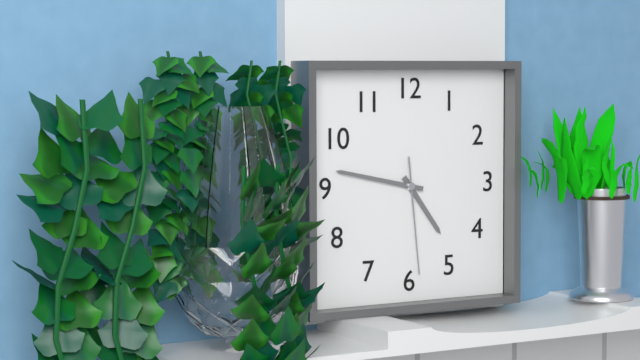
{"hour": 4, "minute": 47, "second": 29}
